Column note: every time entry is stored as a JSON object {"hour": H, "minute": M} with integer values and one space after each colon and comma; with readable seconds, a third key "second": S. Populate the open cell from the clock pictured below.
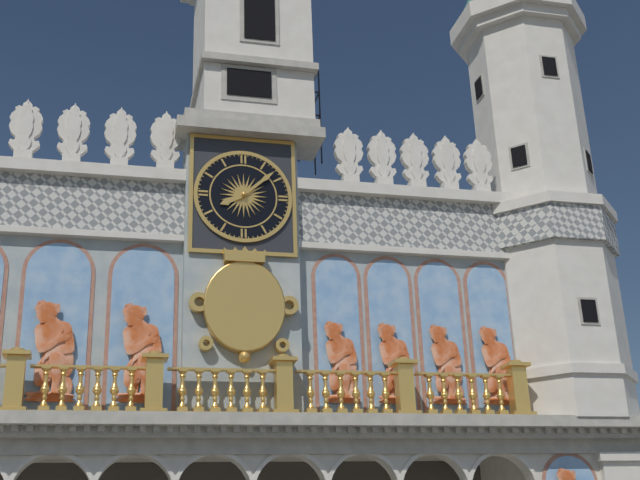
{"hour": 8, "minute": 8}
